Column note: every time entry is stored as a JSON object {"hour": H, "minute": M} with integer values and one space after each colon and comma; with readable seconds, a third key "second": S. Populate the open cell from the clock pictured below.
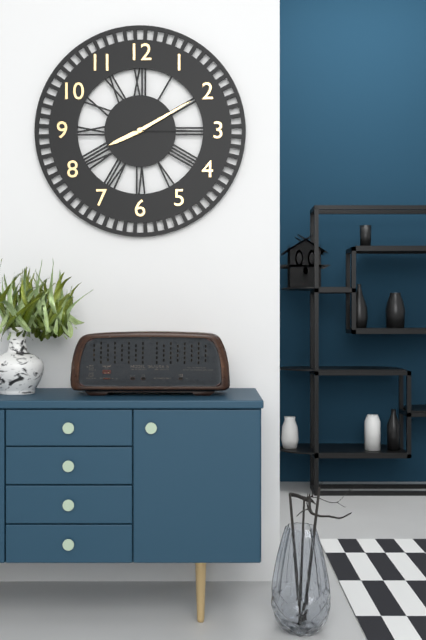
{"hour": 8, "minute": 10, "second": 15}
